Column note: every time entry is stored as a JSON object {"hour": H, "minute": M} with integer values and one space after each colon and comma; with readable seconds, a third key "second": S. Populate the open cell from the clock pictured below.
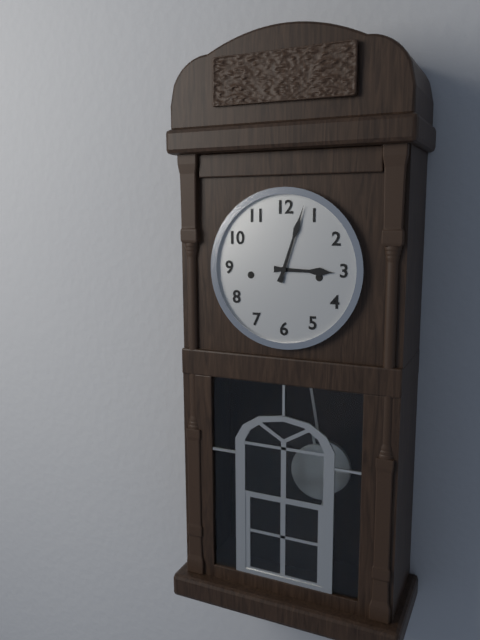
{"hour": 3, "minute": 3}
